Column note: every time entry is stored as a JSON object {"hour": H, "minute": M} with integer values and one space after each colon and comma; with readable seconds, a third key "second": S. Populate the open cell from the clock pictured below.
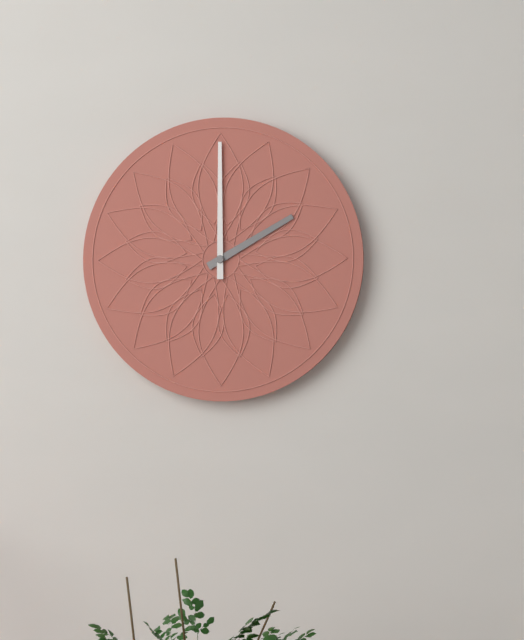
{"hour": 2, "minute": 0}
